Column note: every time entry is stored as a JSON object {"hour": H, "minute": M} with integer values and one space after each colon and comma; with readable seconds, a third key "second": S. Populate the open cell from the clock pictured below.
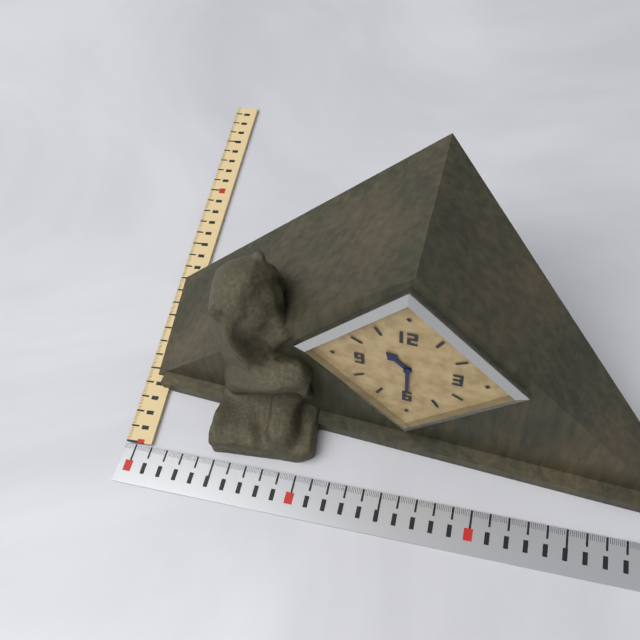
{"hour": 10, "minute": 30}
